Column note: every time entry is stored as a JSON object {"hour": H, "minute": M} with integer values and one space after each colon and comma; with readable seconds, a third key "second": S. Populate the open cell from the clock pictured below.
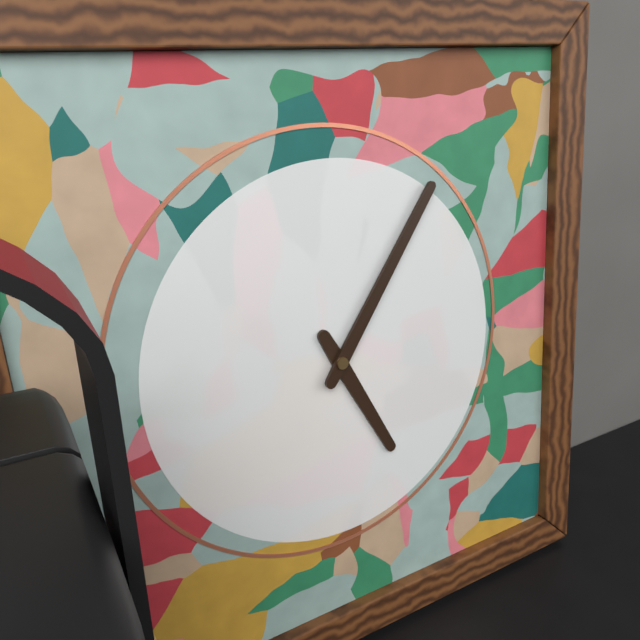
{"hour": 5, "minute": 6}
